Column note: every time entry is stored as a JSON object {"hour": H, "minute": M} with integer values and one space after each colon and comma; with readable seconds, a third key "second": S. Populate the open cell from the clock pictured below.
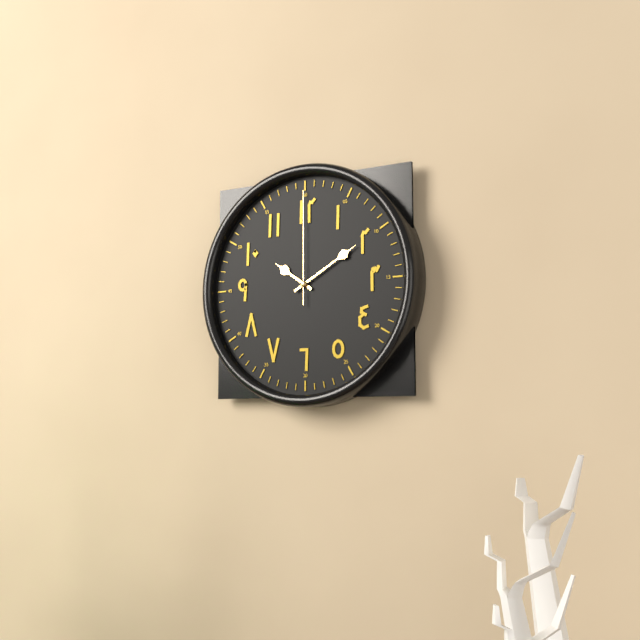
{"hour": 10, "minute": 10, "second": 0}
